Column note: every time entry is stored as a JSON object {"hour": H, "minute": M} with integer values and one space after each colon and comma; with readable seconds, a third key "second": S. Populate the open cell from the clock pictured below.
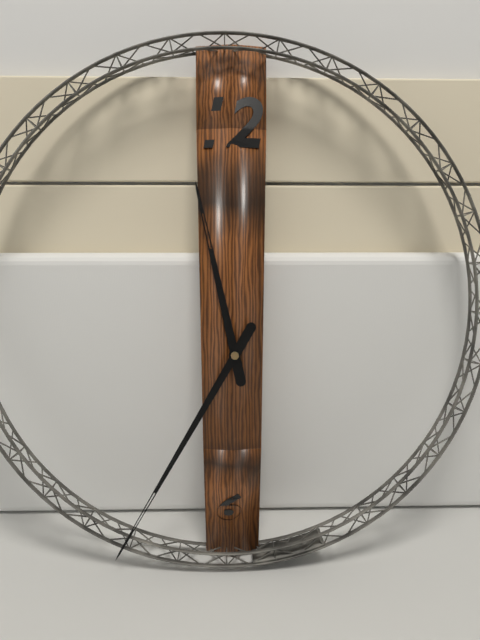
{"hour": 11, "minute": 35}
